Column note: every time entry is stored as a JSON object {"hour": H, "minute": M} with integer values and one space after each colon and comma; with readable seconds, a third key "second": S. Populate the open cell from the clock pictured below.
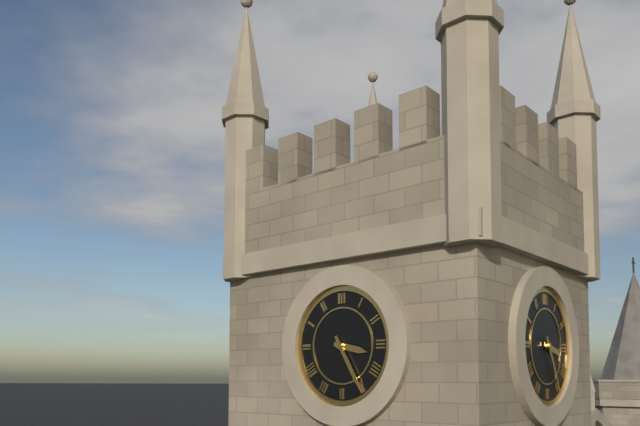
{"hour": 3, "minute": 25}
